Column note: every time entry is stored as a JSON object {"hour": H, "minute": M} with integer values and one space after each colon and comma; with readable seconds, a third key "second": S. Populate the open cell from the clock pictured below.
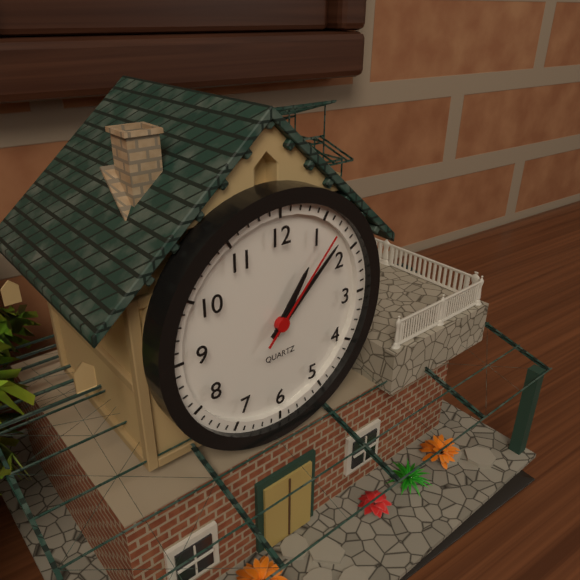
{"hour": 1, "minute": 8, "second": 7}
